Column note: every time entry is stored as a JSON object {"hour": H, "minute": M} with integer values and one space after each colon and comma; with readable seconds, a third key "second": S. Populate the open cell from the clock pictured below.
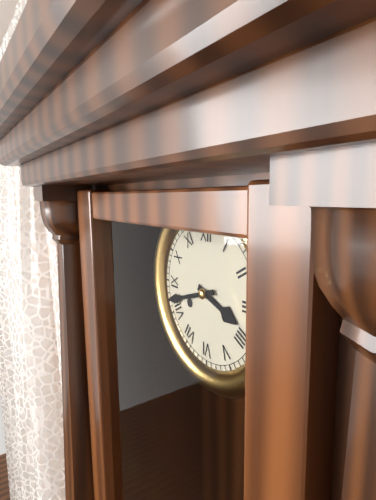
{"hour": 3, "minute": 42}
